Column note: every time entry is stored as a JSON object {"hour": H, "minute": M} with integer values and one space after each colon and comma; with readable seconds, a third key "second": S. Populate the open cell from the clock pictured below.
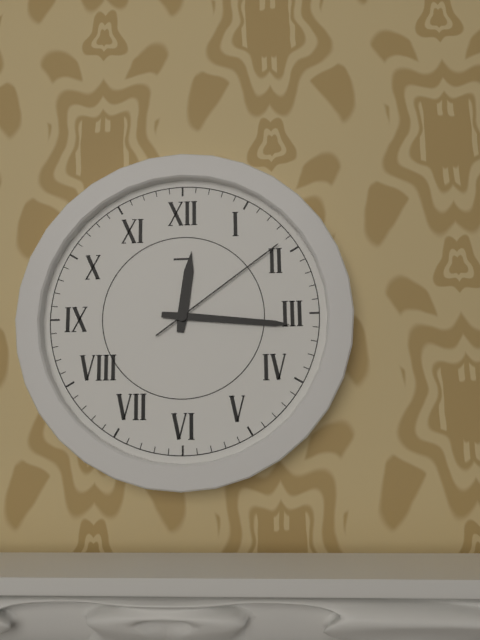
{"hour": 12, "minute": 16, "second": 9}
